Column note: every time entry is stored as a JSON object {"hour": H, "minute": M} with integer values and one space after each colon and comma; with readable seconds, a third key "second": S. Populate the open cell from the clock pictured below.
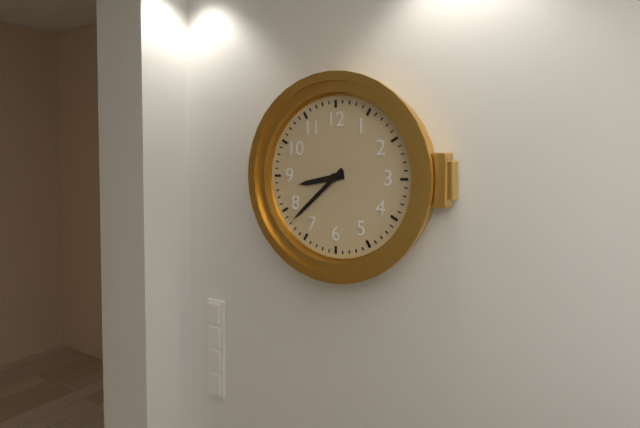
{"hour": 8, "minute": 38}
